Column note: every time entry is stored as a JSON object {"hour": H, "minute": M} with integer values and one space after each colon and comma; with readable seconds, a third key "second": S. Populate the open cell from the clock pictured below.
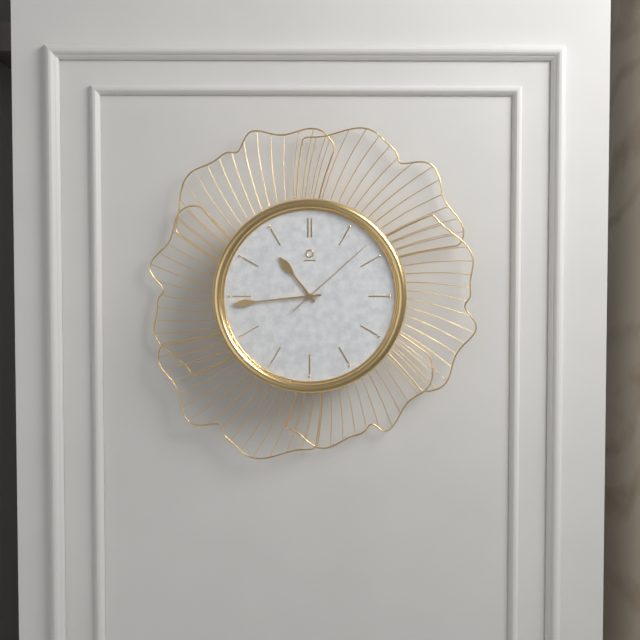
{"hour": 10, "minute": 44, "second": 8}
